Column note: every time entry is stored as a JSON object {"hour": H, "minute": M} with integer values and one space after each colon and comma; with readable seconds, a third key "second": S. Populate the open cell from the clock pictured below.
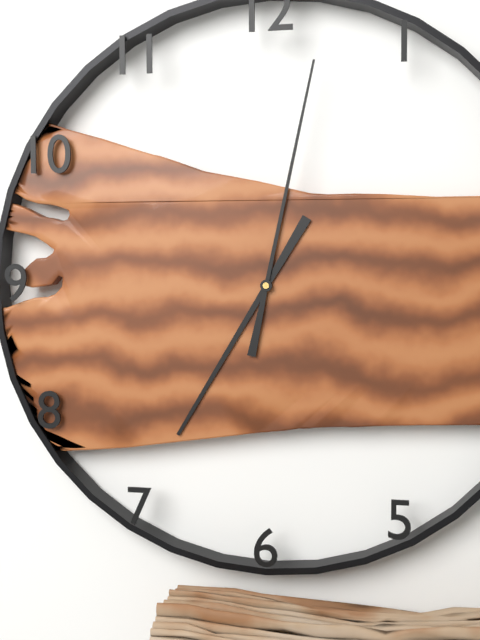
{"hour": 7, "minute": 2}
